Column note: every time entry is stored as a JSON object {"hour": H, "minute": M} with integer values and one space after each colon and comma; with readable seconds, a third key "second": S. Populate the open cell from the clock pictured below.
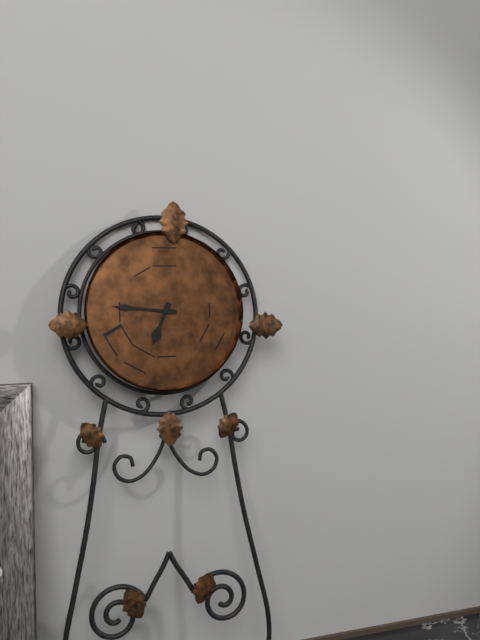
{"hour": 6, "minute": 46}
